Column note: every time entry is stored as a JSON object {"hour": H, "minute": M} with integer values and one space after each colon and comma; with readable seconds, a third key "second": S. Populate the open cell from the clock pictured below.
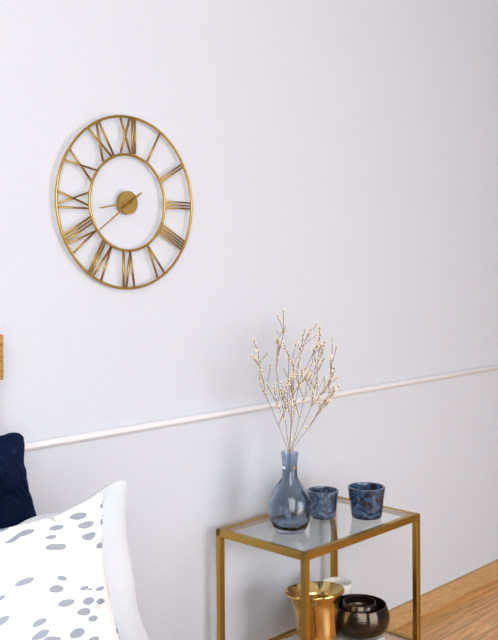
{"hour": 8, "minute": 39}
